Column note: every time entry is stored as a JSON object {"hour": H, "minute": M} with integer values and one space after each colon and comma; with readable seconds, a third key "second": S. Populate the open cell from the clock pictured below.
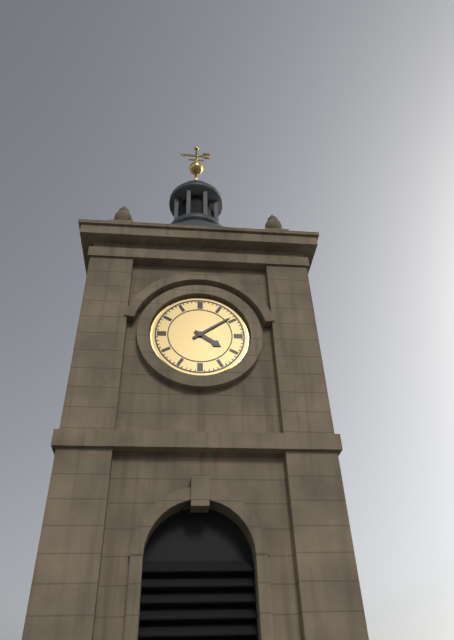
{"hour": 4, "minute": 9}
